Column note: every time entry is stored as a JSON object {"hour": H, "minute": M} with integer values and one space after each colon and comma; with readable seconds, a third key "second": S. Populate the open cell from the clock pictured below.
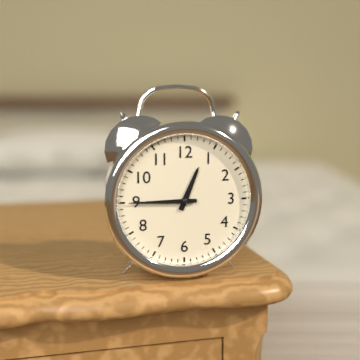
{"hour": 12, "minute": 45}
